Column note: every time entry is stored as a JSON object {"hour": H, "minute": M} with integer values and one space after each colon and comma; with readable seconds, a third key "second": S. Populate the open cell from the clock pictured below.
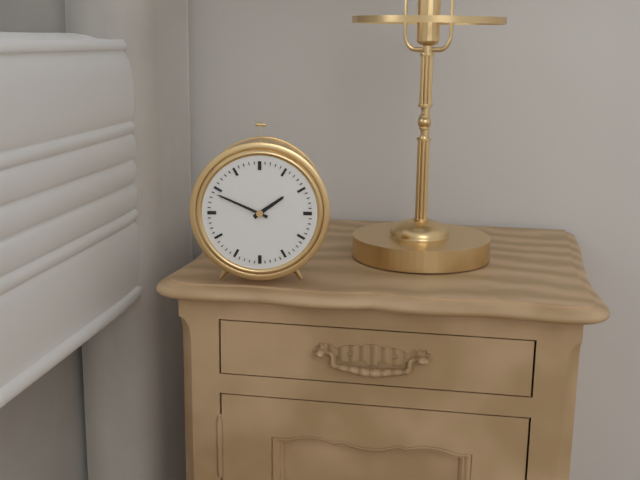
{"hour": 1, "minute": 49}
